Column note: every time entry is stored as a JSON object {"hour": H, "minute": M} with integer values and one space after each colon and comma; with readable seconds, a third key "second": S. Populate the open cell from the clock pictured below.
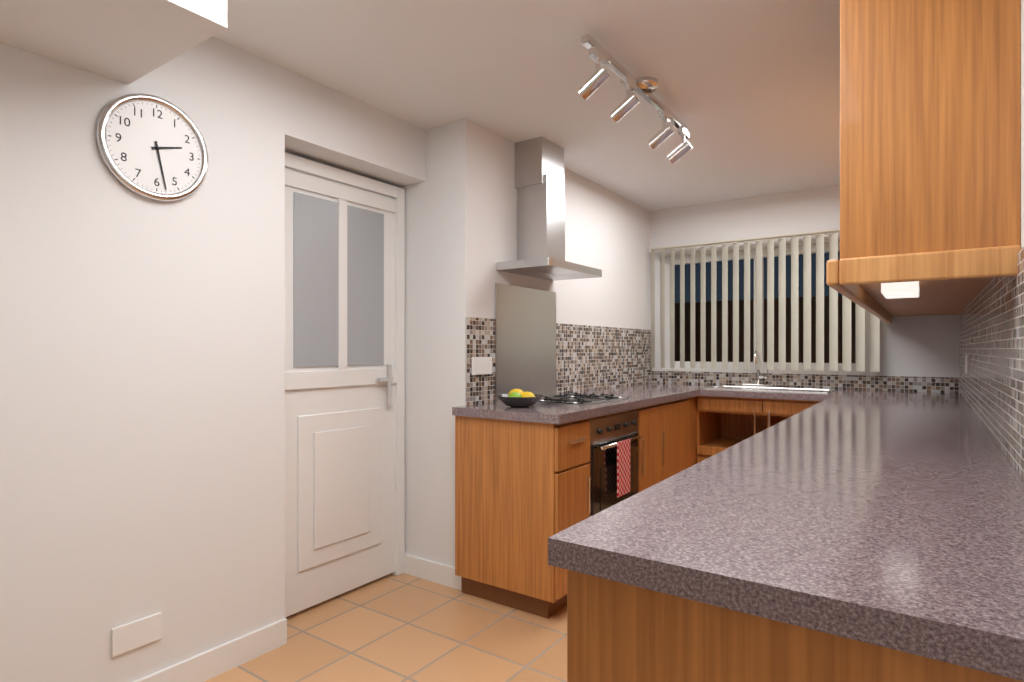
{"hour": 2, "minute": 28}
